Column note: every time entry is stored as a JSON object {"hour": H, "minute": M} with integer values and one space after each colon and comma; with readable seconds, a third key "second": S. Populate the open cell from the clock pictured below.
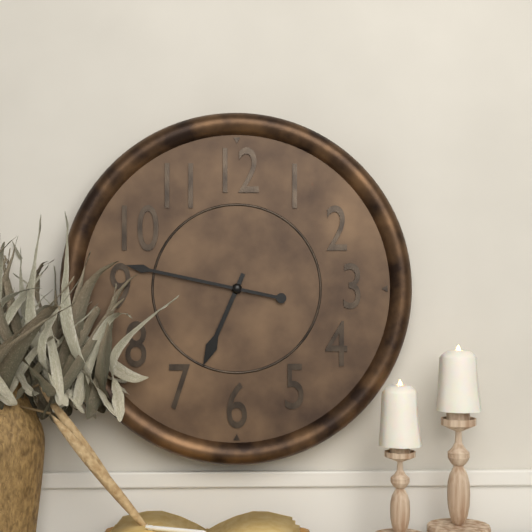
{"hour": 6, "minute": 47}
